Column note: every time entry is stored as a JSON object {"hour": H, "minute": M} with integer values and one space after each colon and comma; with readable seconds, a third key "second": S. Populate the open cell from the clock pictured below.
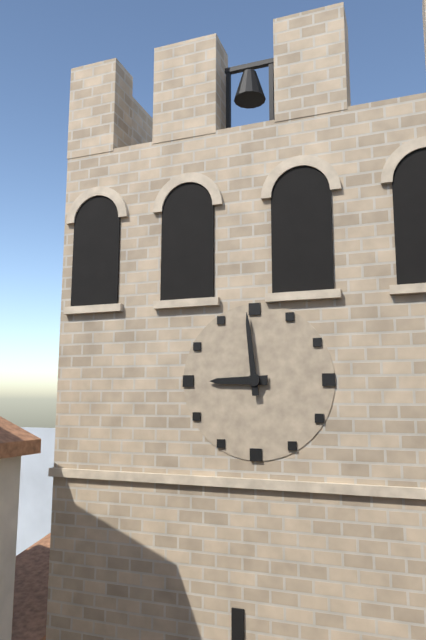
{"hour": 8, "minute": 59}
